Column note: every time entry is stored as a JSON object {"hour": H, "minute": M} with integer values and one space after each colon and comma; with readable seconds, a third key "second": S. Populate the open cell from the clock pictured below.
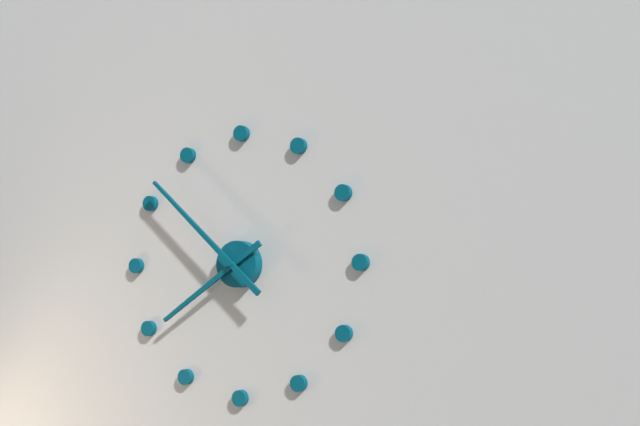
{"hour": 7, "minute": 52}
